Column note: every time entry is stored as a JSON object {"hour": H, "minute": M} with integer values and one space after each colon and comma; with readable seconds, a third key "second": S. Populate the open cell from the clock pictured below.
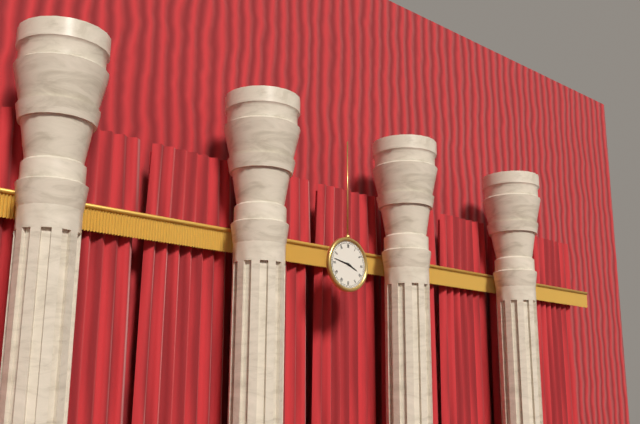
{"hour": 3, "minute": 47}
